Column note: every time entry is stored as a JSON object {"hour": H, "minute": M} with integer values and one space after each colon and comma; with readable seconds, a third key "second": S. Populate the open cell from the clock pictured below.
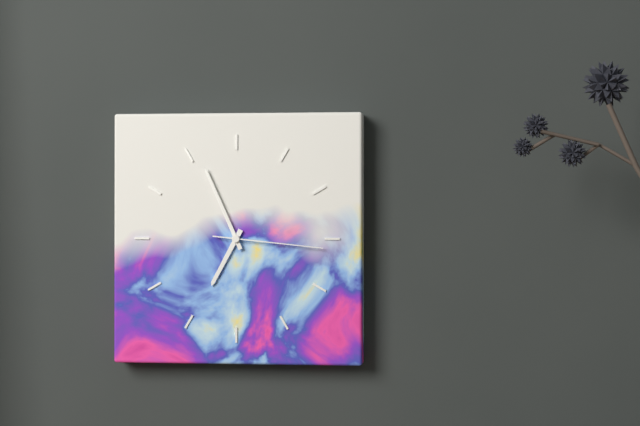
{"hour": 6, "minute": 56, "second": 16}
